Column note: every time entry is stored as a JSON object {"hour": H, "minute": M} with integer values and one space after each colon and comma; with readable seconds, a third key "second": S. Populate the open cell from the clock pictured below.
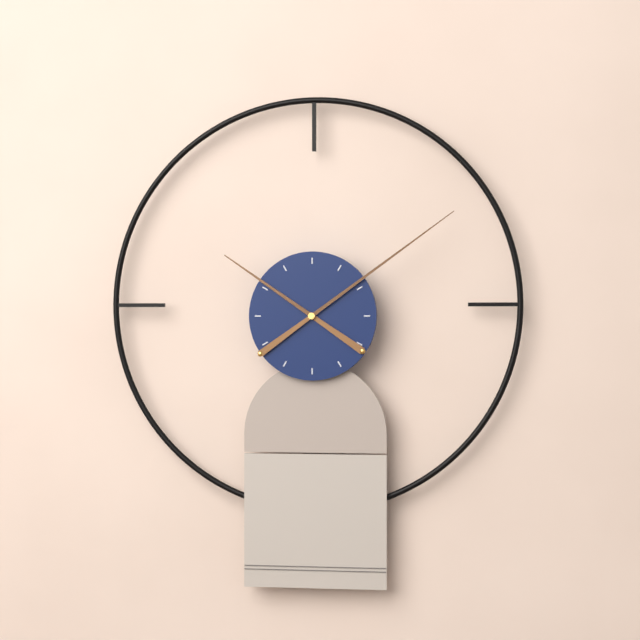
{"hour": 10, "minute": 9}
